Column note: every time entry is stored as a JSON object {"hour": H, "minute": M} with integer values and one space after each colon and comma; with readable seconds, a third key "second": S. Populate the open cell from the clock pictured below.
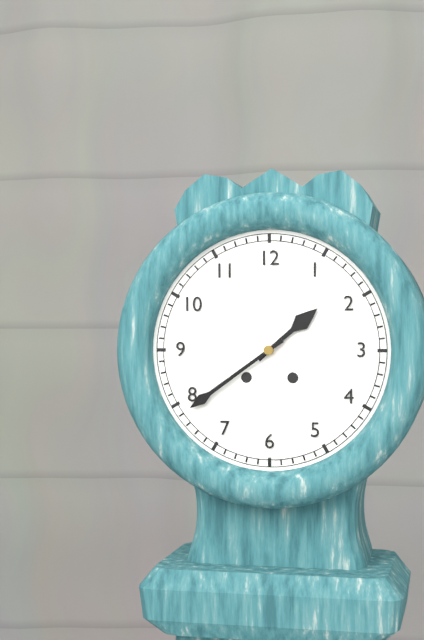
{"hour": 1, "minute": 39}
